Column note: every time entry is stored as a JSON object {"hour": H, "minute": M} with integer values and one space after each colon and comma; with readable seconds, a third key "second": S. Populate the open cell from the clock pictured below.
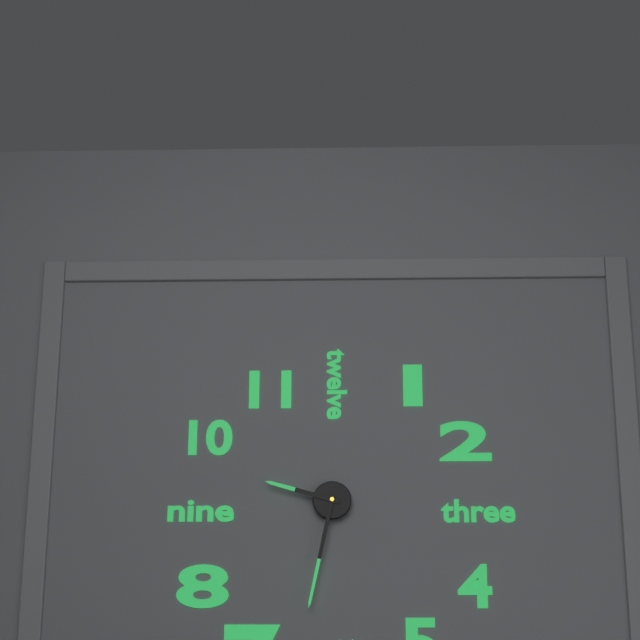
{"hour": 9, "minute": 32}
